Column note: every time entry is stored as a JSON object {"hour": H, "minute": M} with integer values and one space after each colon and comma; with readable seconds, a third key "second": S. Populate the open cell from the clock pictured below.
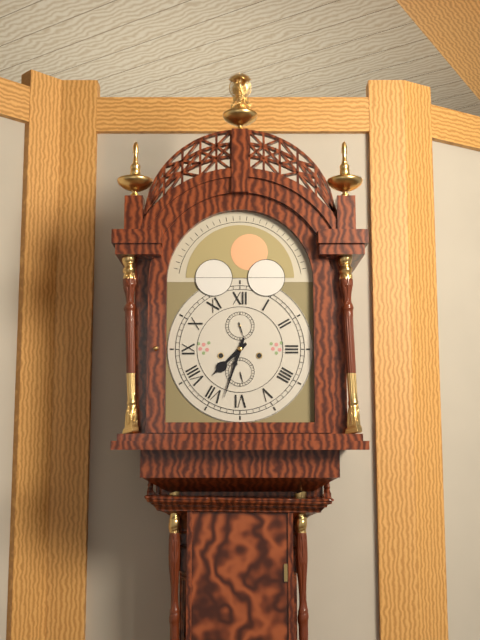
{"hour": 7, "minute": 33}
